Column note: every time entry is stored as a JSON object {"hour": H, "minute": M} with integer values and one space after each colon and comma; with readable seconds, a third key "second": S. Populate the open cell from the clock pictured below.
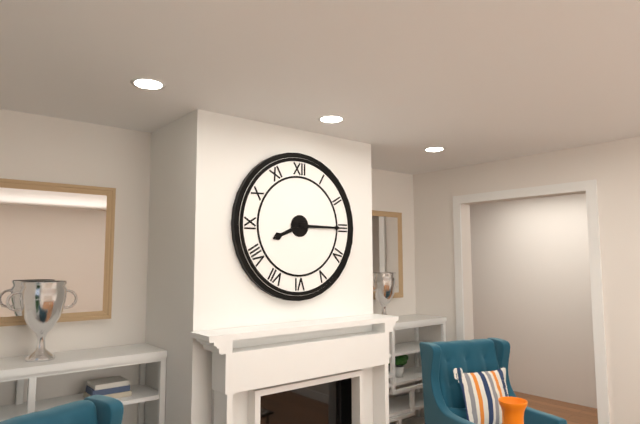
{"hour": 8, "minute": 15}
